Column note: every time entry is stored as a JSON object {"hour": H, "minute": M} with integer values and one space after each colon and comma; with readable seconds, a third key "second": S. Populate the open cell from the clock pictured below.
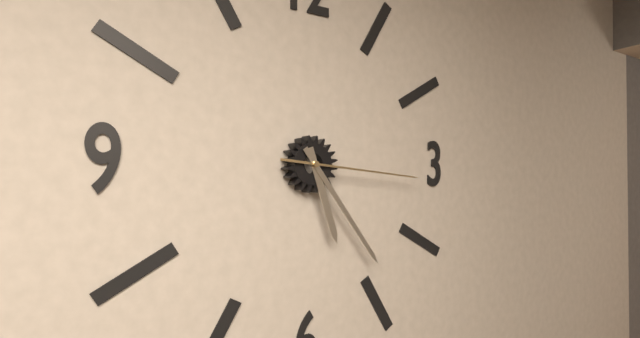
{"hour": 5, "minute": 24, "second": 16}
